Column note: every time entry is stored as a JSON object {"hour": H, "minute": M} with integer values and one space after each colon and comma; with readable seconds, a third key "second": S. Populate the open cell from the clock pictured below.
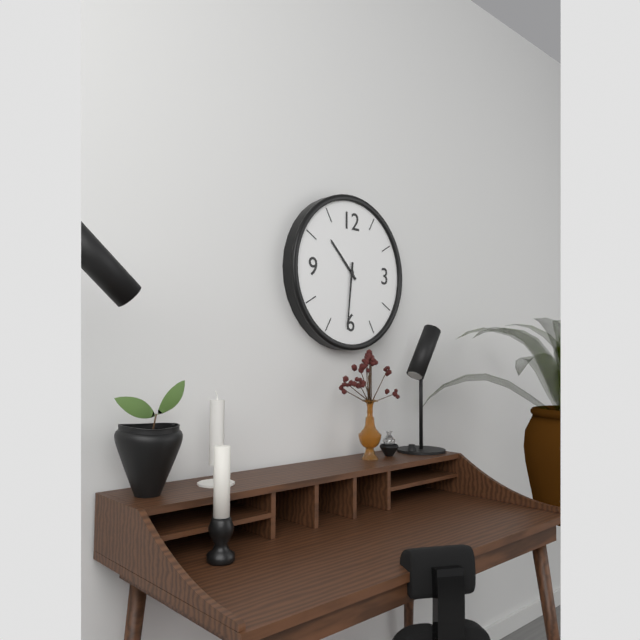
{"hour": 10, "minute": 31}
